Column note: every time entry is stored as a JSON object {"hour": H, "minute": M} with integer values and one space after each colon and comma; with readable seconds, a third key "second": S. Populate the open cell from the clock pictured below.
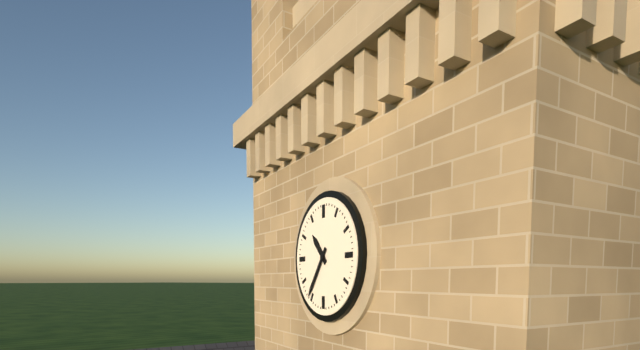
{"hour": 10, "minute": 36}
